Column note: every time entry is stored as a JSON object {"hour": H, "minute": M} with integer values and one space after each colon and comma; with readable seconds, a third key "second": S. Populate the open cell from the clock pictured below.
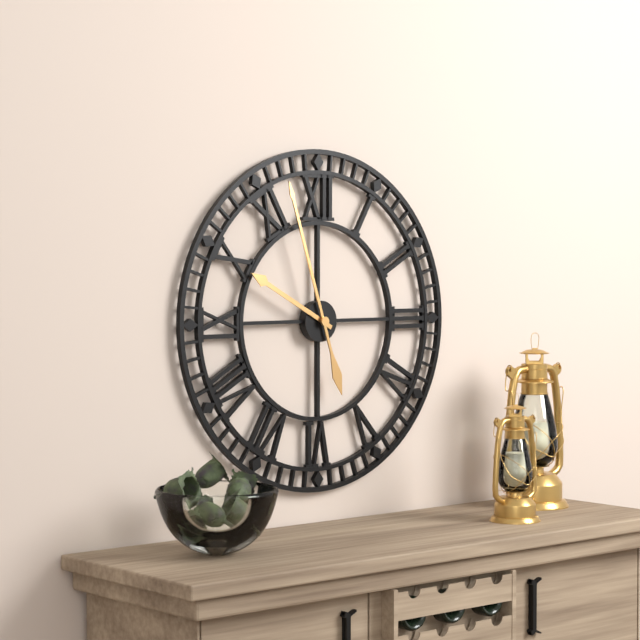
{"hour": 9, "minute": 57}
